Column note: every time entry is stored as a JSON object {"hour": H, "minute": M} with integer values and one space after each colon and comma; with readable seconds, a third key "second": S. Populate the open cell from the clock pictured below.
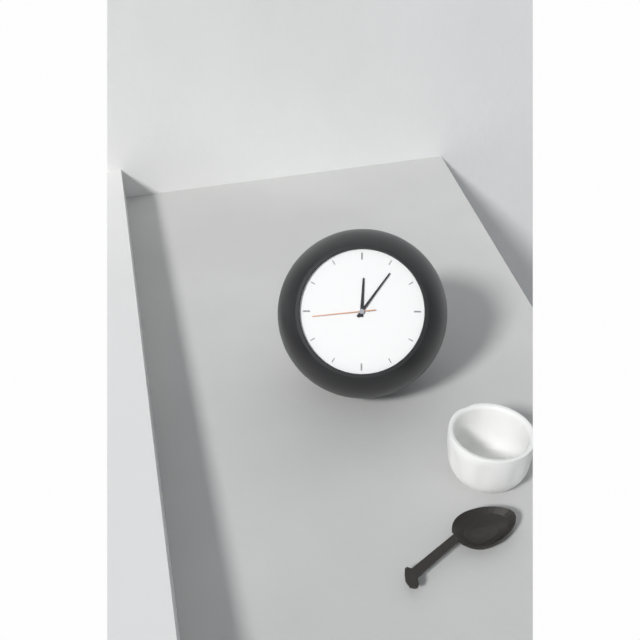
{"hour": 12, "minute": 6, "second": 44}
